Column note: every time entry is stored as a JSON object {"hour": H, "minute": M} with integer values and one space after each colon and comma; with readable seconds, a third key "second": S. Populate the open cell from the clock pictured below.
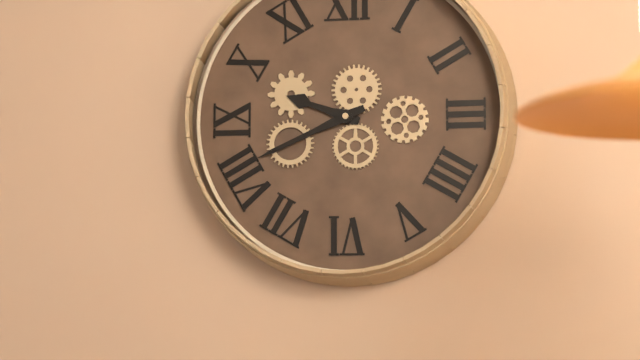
{"hour": 9, "minute": 41}
